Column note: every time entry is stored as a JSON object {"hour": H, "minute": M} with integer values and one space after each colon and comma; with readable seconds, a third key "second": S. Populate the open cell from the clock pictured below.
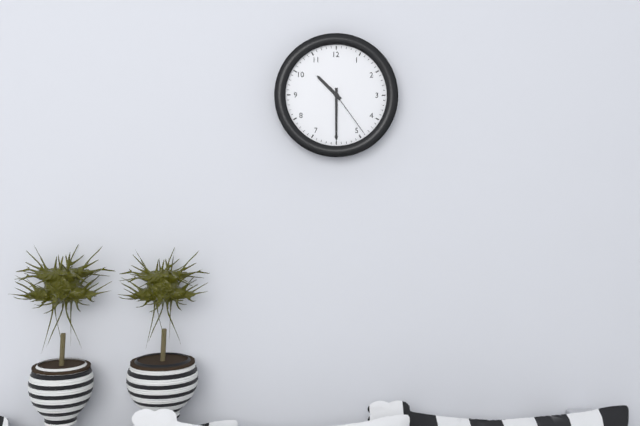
{"hour": 10, "minute": 30, "second": 24}
